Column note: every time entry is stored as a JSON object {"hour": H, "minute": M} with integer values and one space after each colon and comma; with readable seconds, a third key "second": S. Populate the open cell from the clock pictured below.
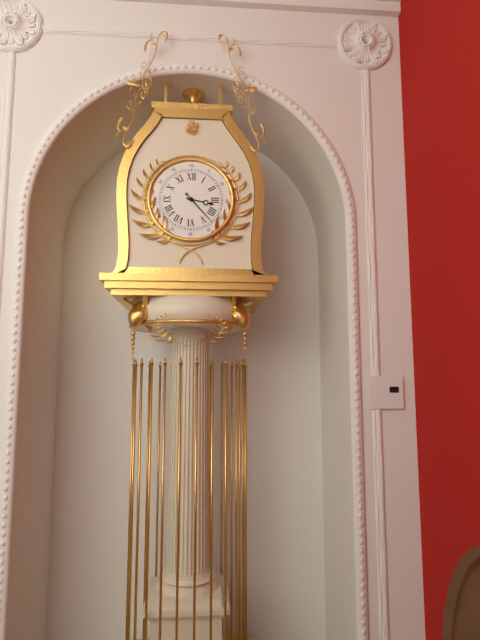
{"hour": 3, "minute": 23}
